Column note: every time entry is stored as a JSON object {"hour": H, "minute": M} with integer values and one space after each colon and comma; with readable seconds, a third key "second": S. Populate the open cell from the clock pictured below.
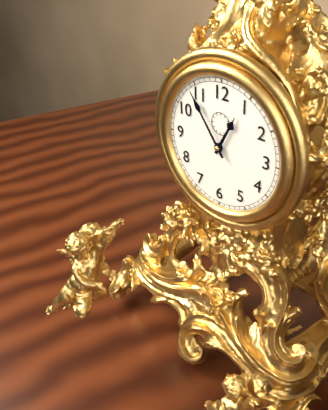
{"hour": 12, "minute": 54}
